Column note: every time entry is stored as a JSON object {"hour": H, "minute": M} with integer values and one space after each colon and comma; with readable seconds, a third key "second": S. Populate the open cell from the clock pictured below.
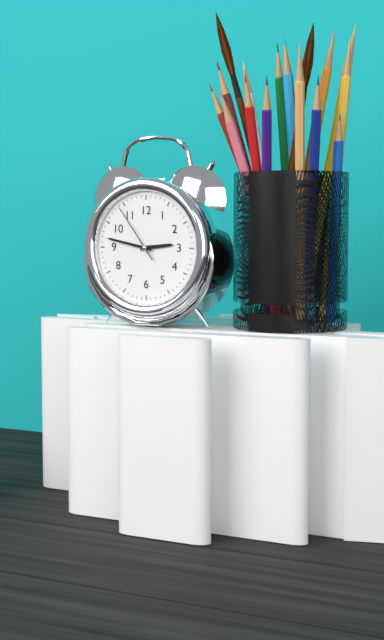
{"hour": 2, "minute": 47, "second": 54}
